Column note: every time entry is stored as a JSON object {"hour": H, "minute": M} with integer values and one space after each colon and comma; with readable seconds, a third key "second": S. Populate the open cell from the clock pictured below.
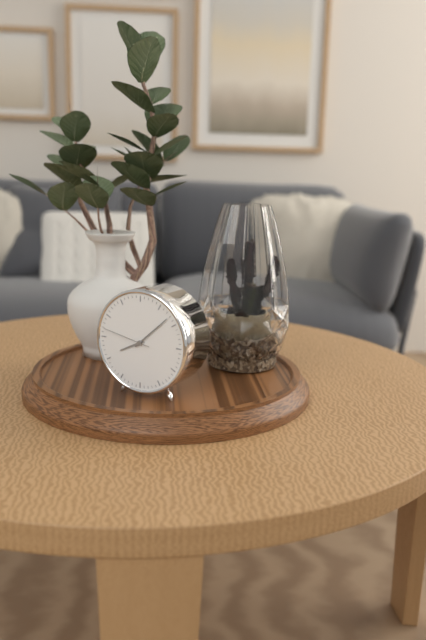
{"hour": 8, "minute": 8, "second": 47}
